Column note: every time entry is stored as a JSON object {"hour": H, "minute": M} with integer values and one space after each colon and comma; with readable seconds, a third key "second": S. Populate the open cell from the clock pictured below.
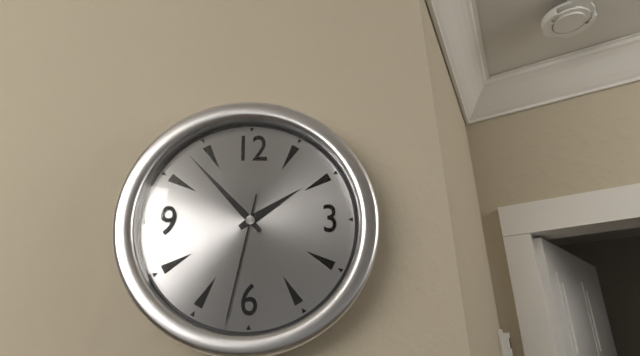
{"hour": 1, "minute": 53, "second": 32}
